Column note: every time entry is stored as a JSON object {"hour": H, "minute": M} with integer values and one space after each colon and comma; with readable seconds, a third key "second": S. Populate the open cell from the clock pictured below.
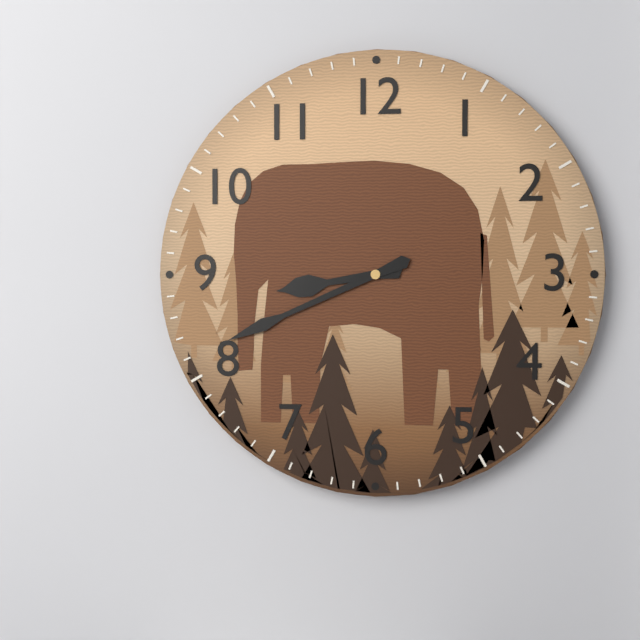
{"hour": 8, "minute": 41}
